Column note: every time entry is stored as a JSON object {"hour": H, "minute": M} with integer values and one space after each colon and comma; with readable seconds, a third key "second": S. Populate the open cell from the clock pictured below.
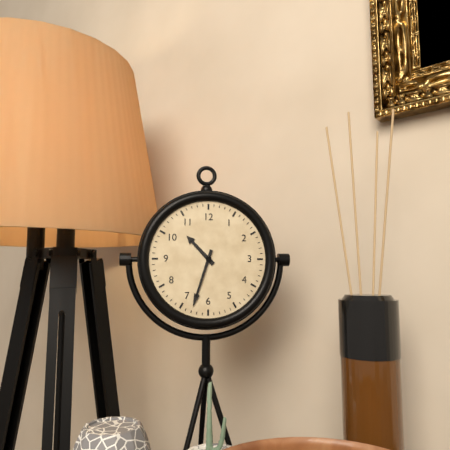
{"hour": 10, "minute": 33}
